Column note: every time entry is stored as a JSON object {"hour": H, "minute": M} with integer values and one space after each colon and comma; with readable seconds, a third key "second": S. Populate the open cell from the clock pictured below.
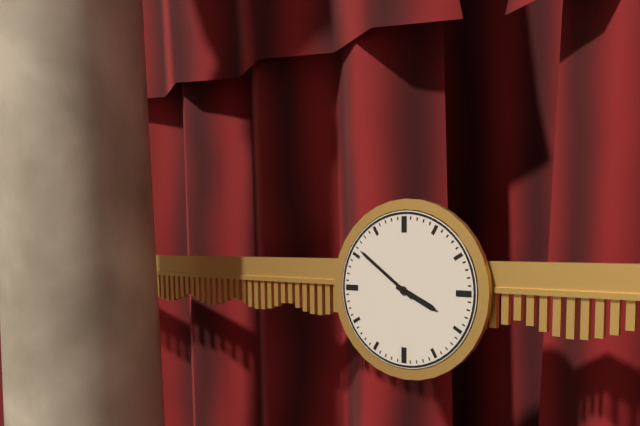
{"hour": 3, "minute": 51}
